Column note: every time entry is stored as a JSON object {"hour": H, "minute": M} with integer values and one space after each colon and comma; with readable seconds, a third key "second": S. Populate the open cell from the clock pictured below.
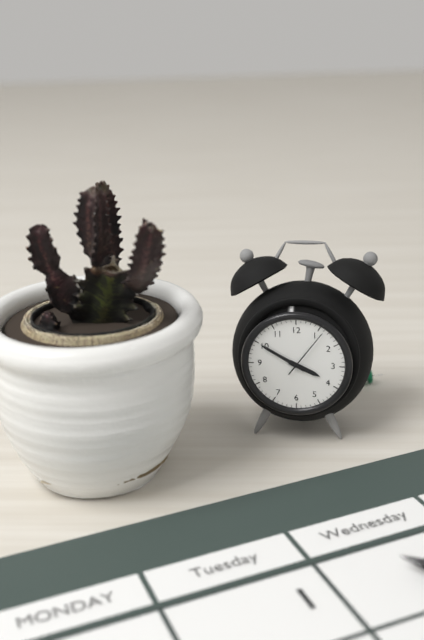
{"hour": 3, "minute": 50, "second": 6}
